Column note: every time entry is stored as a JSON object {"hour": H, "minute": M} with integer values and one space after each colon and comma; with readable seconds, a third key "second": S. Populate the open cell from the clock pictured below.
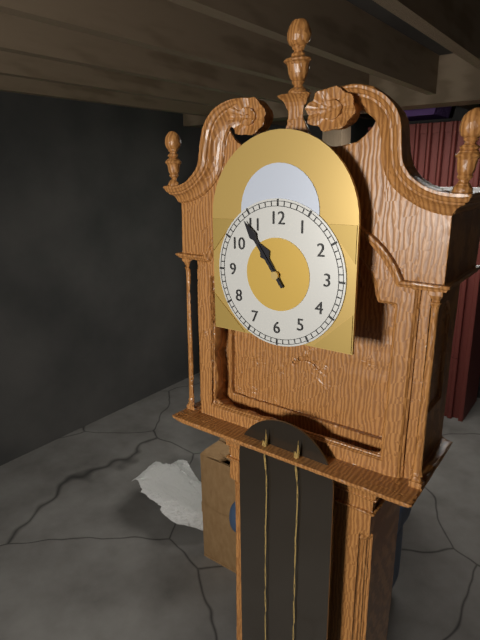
{"hour": 10, "minute": 54}
